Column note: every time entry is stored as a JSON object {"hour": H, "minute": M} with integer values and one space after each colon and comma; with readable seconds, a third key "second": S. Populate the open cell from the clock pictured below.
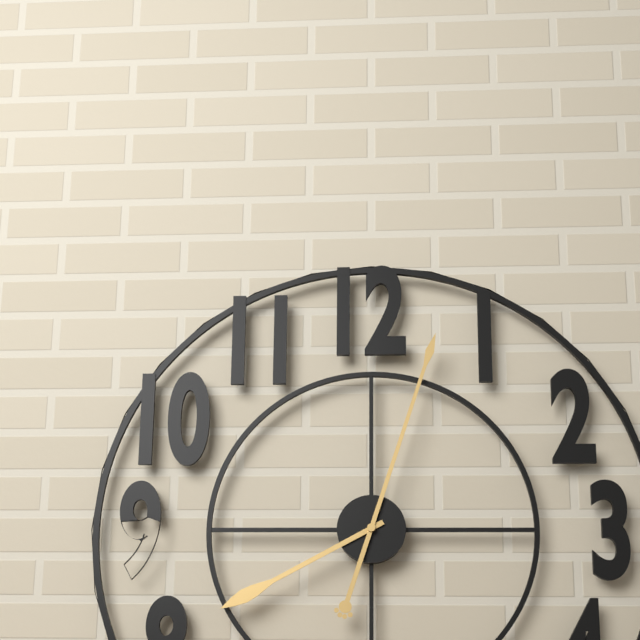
{"hour": 8, "minute": 3}
